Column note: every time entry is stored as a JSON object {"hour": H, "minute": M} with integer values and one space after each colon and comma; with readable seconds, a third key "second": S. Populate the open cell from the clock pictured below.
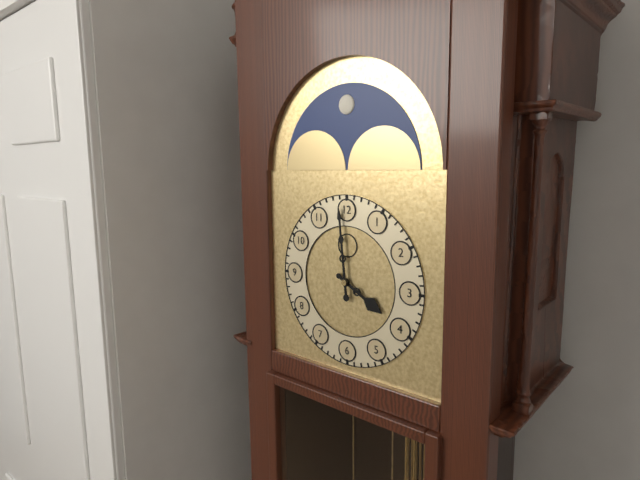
{"hour": 3, "minute": 59}
